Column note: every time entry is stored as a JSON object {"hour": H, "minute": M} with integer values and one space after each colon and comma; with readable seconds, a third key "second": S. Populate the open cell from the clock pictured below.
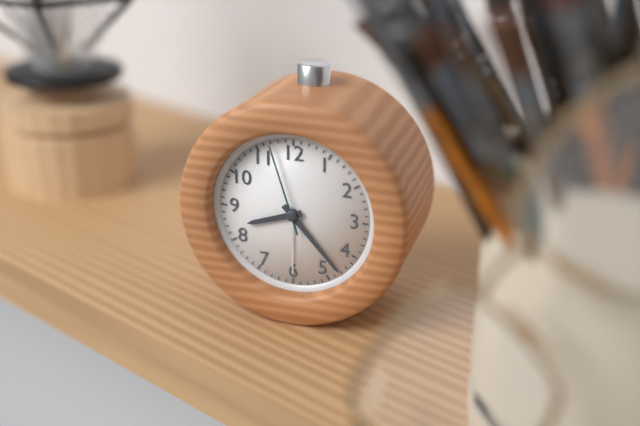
{"hour": 8, "minute": 23, "second": 57}
